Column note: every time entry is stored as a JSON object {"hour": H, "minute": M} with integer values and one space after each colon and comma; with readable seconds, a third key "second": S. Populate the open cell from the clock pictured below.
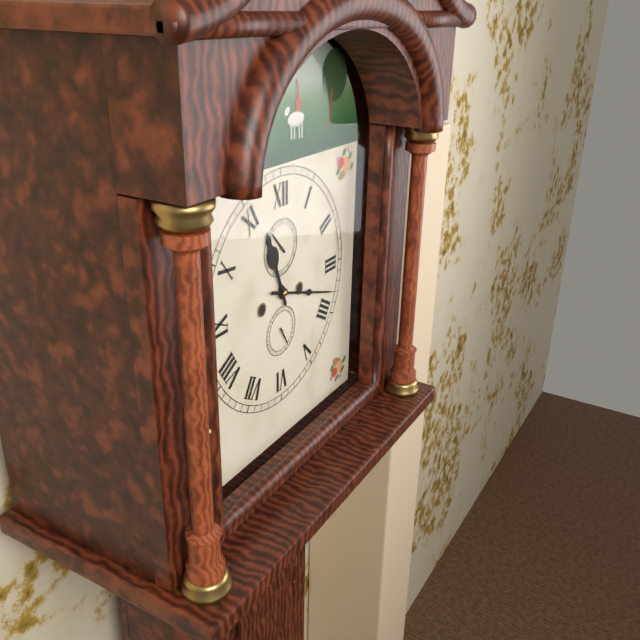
{"hour": 11, "minute": 18}
